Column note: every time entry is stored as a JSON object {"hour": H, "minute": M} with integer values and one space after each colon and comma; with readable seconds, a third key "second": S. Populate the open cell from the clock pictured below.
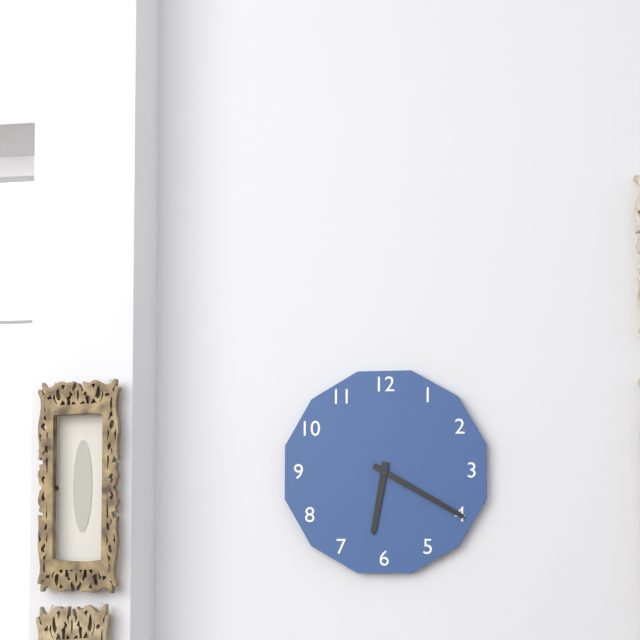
{"hour": 6, "minute": 20}
